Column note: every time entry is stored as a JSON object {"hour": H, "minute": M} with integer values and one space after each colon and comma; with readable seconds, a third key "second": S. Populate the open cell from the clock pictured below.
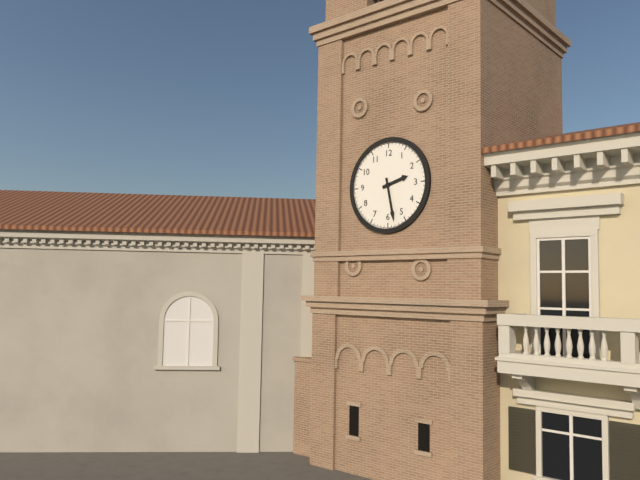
{"hour": 2, "minute": 28}
